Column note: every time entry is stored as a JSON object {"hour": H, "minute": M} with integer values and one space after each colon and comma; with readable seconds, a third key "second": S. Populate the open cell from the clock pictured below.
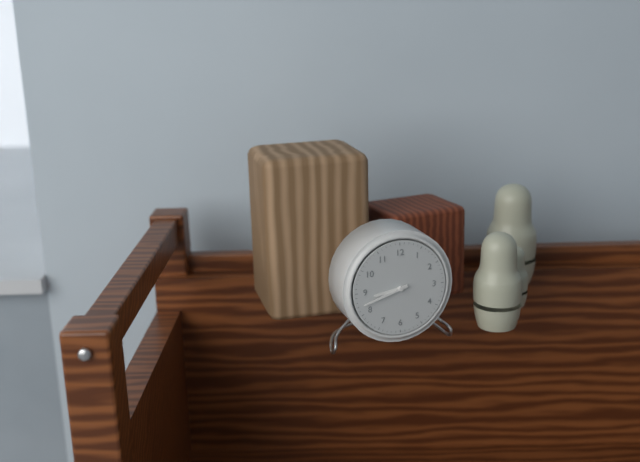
{"hour": 8, "minute": 42}
